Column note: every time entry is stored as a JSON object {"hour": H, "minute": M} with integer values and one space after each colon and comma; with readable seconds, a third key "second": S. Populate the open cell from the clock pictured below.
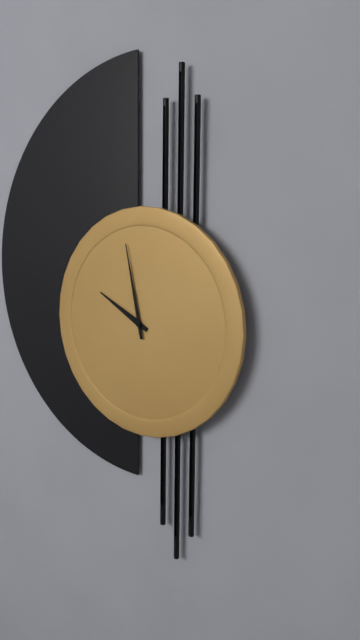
{"hour": 9, "minute": 58}
